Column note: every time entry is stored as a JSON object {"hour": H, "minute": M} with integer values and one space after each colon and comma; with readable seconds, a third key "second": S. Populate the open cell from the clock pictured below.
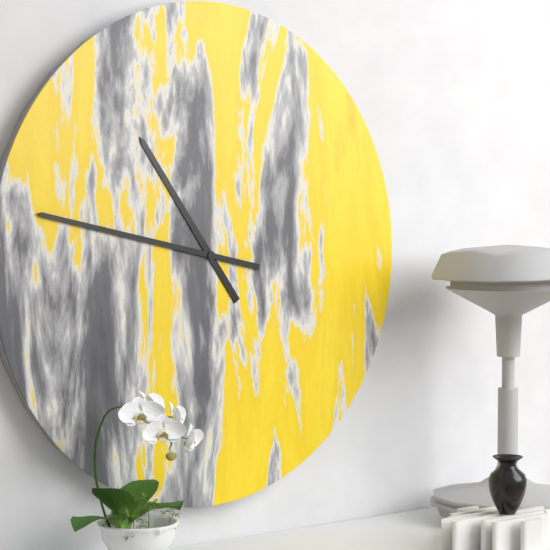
{"hour": 10, "minute": 47}
